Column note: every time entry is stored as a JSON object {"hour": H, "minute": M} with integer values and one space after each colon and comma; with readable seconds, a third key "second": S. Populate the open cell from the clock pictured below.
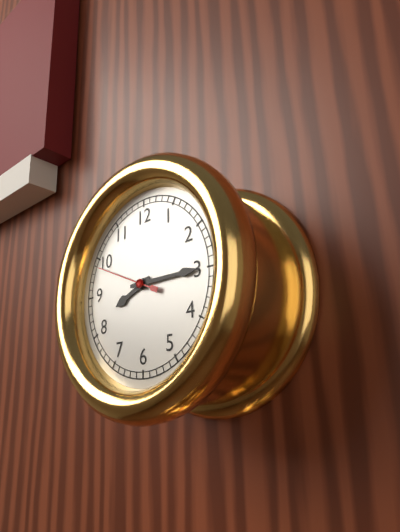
{"hour": 8, "minute": 15, "second": 49}
